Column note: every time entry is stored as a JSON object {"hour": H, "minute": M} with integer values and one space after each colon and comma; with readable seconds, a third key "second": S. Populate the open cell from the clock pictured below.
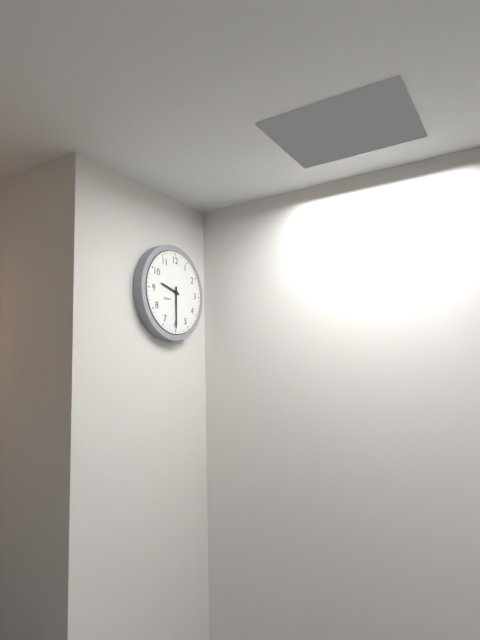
{"hour": 9, "minute": 30}
